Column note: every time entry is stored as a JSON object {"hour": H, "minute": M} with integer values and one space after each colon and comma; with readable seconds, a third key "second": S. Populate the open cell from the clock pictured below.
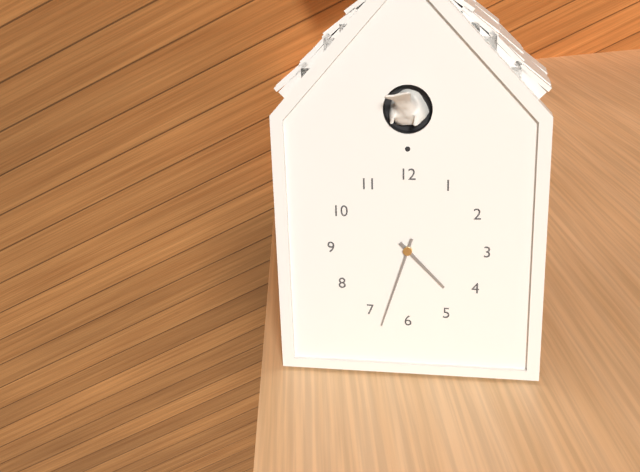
{"hour": 4, "minute": 33}
